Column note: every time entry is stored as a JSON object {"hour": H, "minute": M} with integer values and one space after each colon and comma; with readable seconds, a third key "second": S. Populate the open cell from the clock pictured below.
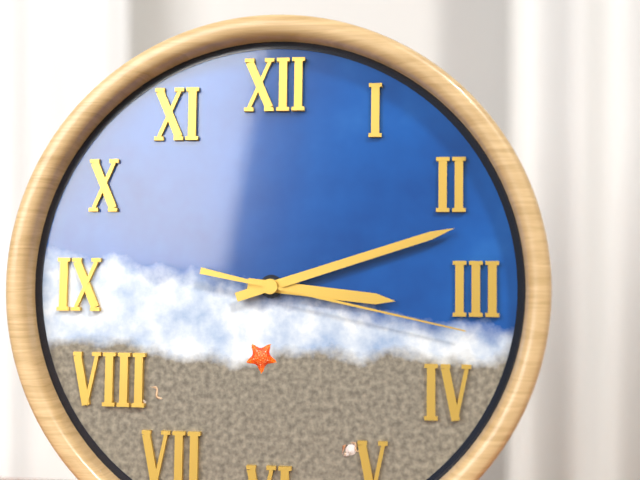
{"hour": 3, "minute": 12, "second": 17}
